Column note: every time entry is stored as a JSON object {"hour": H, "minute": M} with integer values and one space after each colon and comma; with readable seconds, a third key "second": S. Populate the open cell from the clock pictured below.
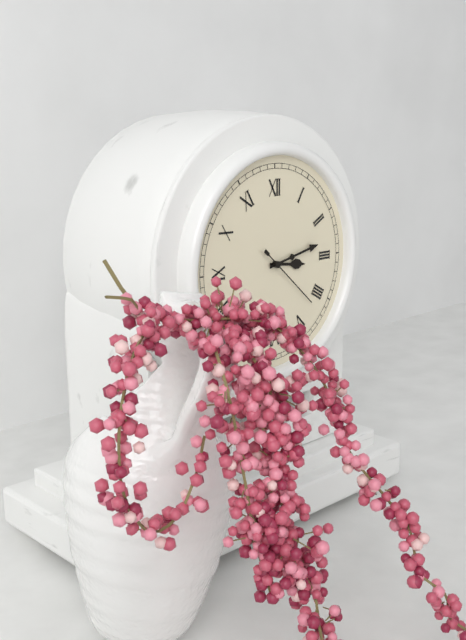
{"hour": 3, "minute": 13, "second": 22}
